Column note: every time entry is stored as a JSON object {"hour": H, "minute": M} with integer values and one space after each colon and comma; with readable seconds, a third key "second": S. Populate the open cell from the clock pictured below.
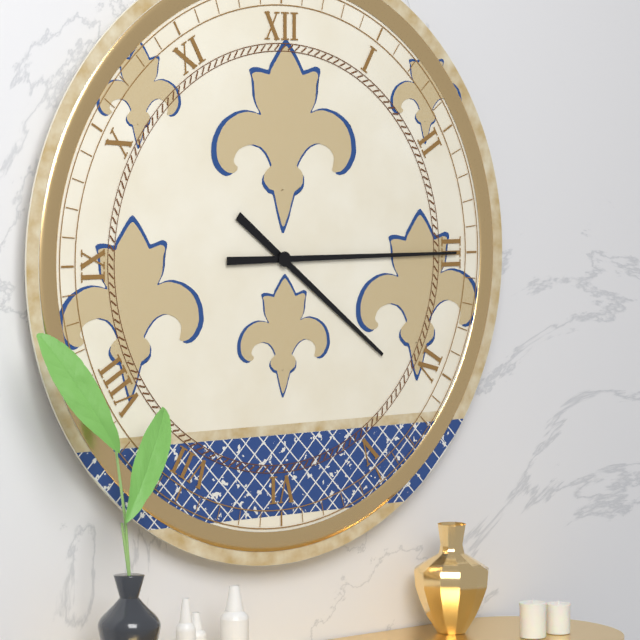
{"hour": 4, "minute": 15}
